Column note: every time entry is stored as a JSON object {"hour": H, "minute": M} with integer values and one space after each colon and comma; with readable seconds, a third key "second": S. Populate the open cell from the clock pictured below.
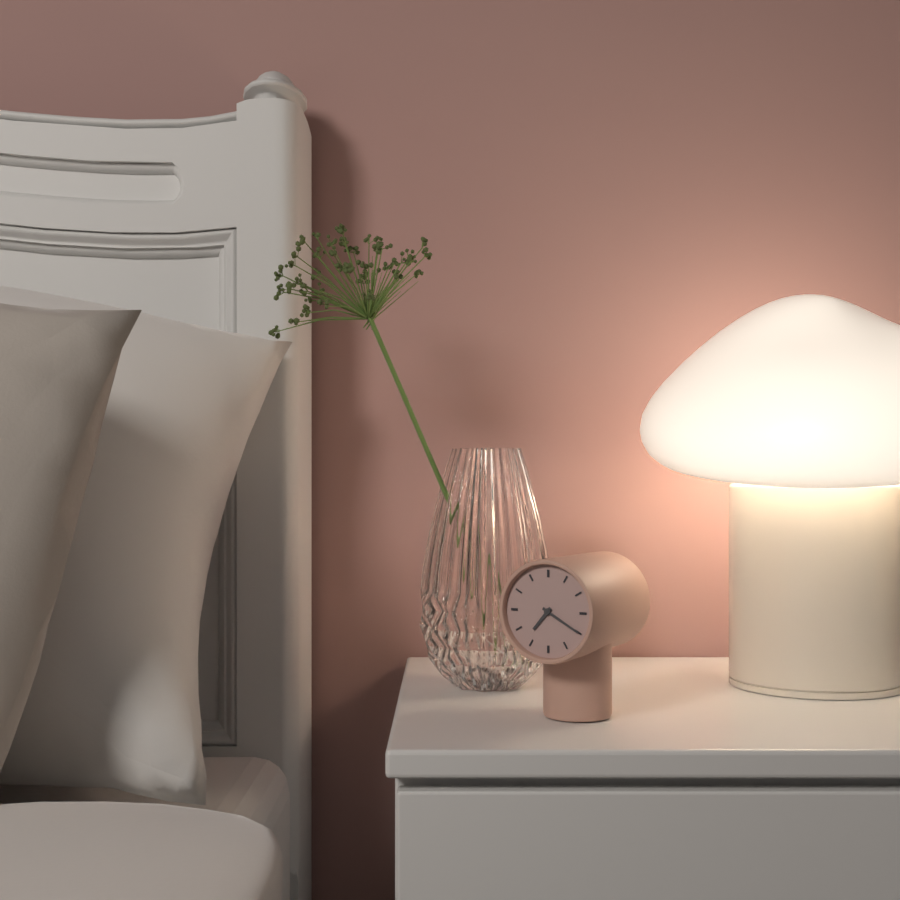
{"hour": 7, "minute": 20}
